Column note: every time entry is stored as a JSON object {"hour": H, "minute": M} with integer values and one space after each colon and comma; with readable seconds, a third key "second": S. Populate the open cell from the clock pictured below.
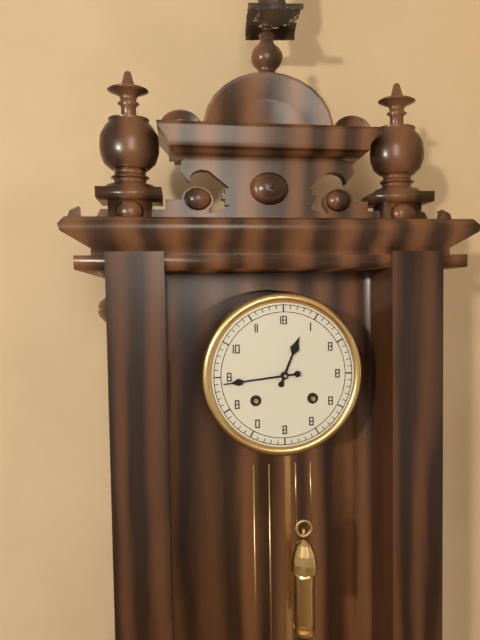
{"hour": 12, "minute": 44}
